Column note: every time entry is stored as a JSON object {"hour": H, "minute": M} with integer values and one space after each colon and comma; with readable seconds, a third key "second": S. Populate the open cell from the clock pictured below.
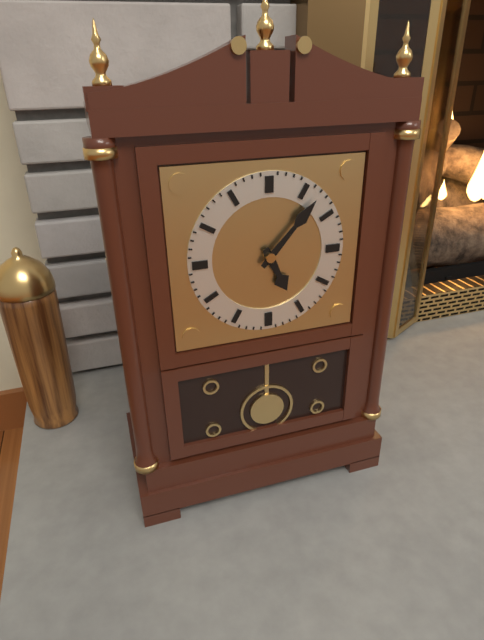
{"hour": 5, "minute": 7}
